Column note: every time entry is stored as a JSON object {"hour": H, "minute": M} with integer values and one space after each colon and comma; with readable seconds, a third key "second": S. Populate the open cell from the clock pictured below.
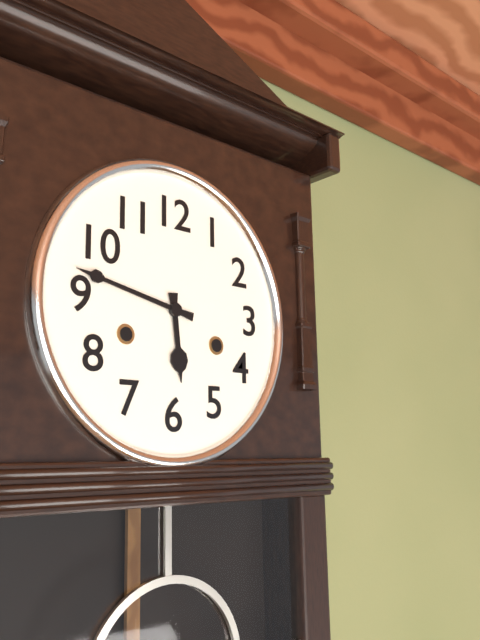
{"hour": 5, "minute": 47}
